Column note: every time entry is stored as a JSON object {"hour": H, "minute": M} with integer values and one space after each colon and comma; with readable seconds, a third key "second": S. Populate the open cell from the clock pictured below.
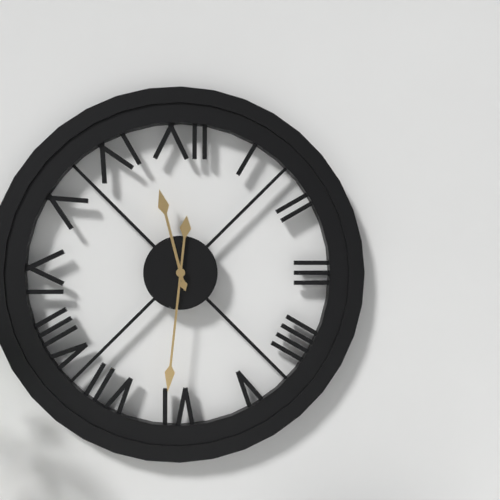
{"hour": 11, "minute": 31}
